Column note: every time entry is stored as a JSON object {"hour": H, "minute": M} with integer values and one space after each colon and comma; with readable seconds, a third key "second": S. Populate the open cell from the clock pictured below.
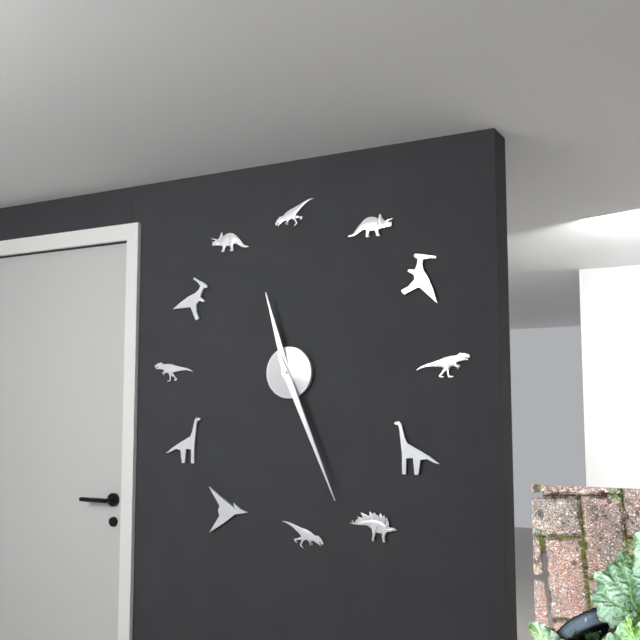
{"hour": 11, "minute": 26}
